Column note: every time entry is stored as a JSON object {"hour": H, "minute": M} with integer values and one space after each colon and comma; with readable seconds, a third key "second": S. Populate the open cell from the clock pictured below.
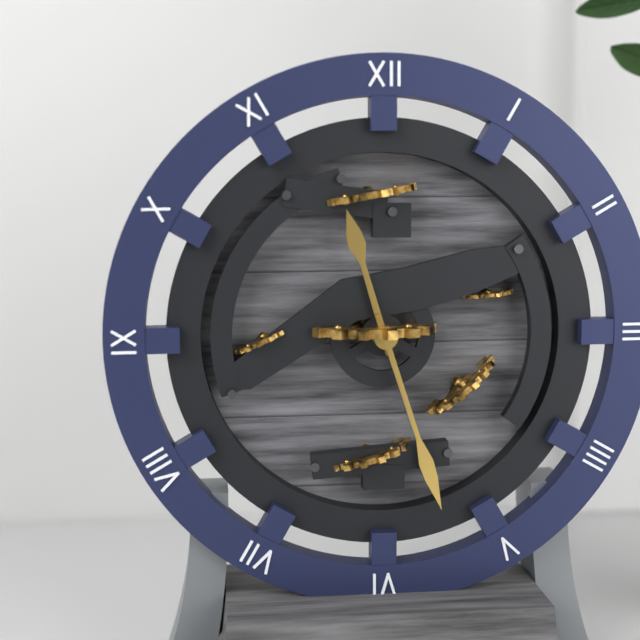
{"hour": 11, "minute": 27}
